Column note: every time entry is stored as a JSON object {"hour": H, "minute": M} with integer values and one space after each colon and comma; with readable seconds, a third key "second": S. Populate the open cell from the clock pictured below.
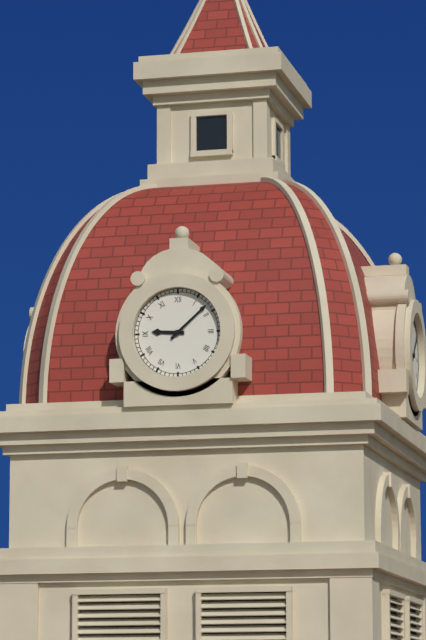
{"hour": 9, "minute": 8}
